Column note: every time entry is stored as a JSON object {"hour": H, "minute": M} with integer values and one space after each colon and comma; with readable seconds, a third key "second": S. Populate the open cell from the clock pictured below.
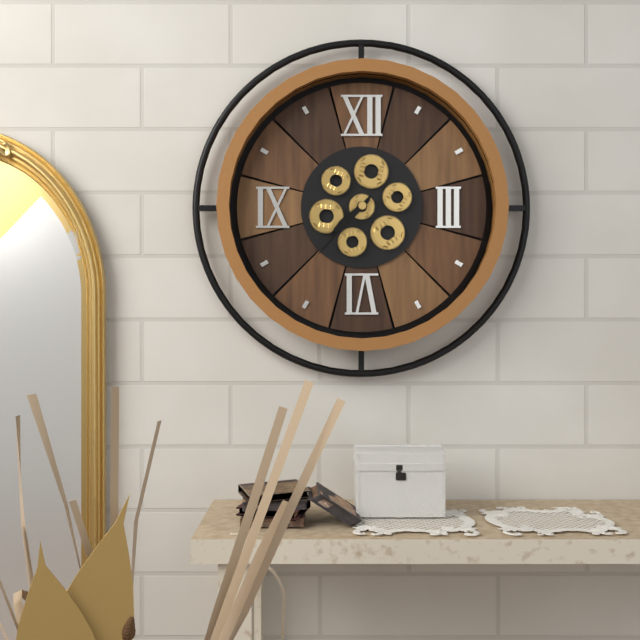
{"hour": 7, "minute": 37}
